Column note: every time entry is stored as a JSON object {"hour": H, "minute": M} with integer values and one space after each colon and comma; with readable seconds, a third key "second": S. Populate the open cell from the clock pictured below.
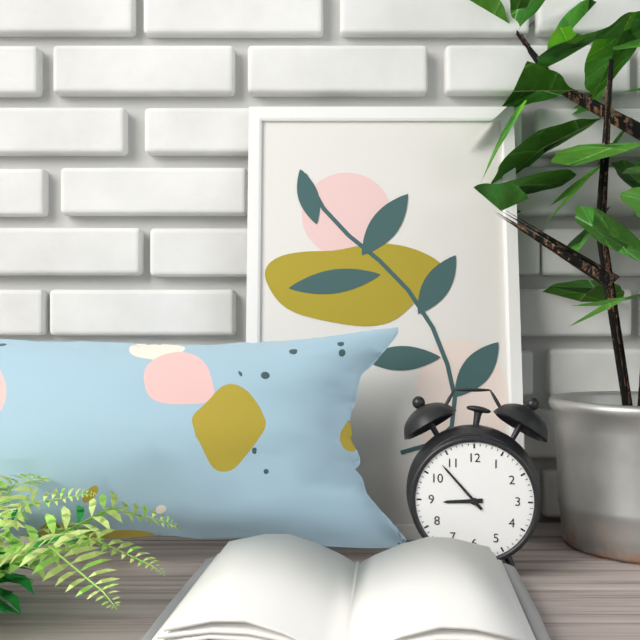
{"hour": 8, "minute": 53}
